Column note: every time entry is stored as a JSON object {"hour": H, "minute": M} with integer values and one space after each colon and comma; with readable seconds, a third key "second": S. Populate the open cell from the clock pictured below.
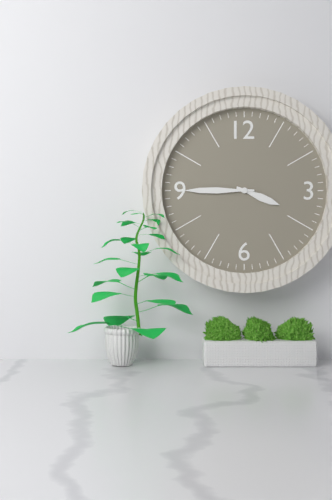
{"hour": 3, "minute": 45}
